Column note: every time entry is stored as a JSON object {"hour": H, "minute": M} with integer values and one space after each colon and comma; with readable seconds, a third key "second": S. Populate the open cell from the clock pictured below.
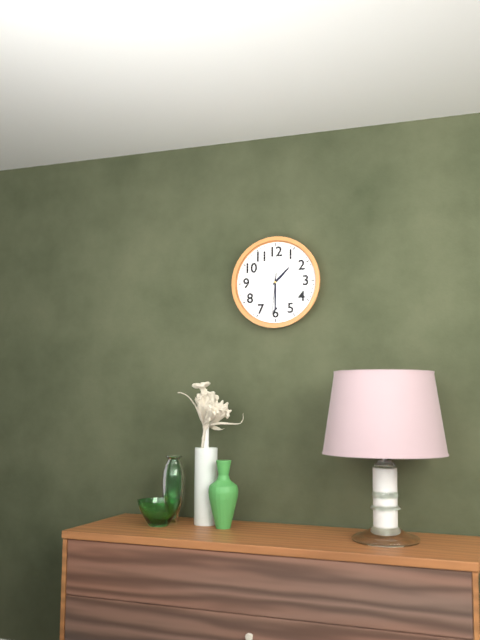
{"hour": 1, "minute": 30}
